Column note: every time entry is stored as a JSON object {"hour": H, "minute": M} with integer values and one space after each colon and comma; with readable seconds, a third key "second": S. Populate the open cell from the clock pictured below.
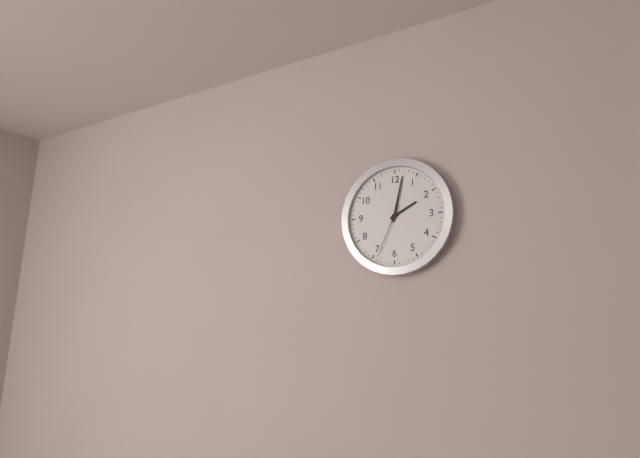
{"hour": 2, "minute": 2, "second": 34}
